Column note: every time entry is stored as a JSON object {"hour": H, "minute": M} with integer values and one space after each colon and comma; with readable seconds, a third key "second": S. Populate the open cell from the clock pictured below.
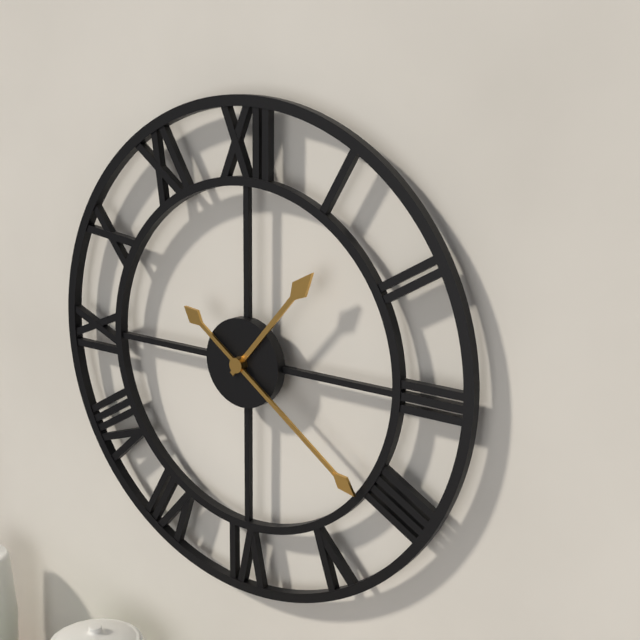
{"hour": 1, "minute": 21}
